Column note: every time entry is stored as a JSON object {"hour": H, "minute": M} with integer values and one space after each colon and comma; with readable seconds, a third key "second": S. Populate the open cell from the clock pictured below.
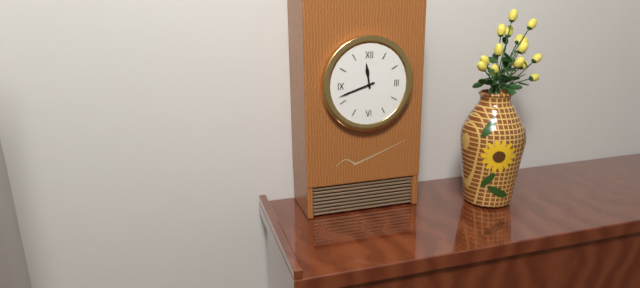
{"hour": 11, "minute": 42}
